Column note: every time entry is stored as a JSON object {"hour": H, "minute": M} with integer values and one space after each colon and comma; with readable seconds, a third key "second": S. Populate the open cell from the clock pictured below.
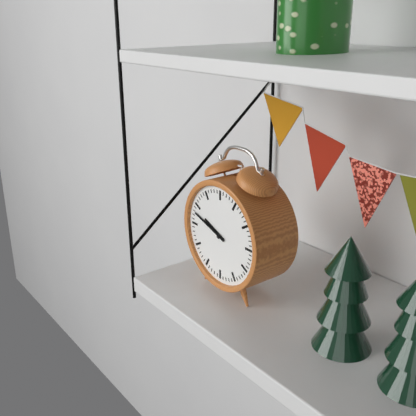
{"hour": 9, "minute": 48}
